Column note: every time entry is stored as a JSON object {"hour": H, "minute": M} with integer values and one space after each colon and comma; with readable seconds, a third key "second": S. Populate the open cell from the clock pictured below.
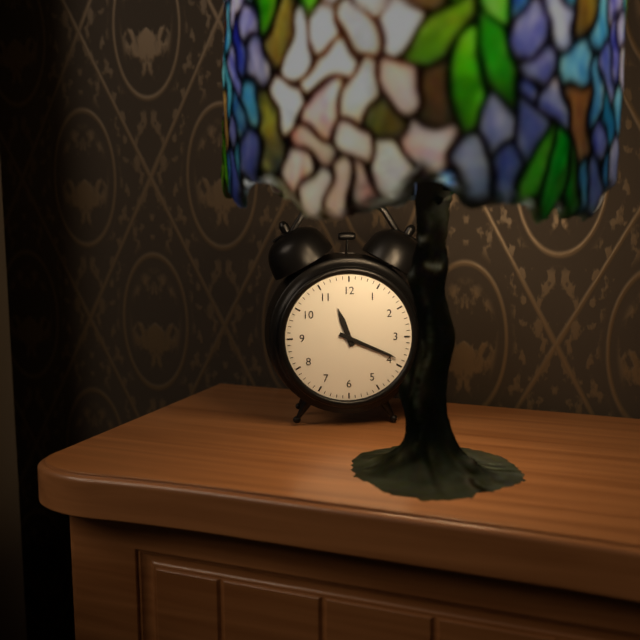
{"hour": 11, "minute": 19}
